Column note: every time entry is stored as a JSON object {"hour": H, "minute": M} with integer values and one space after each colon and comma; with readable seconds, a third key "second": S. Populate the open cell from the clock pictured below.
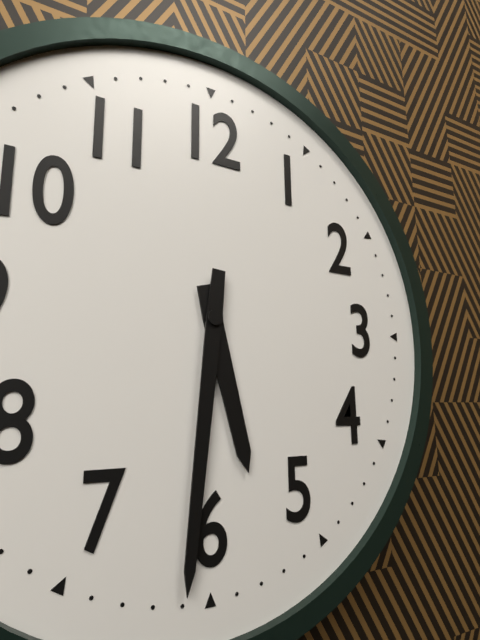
{"hour": 5, "minute": 31}
